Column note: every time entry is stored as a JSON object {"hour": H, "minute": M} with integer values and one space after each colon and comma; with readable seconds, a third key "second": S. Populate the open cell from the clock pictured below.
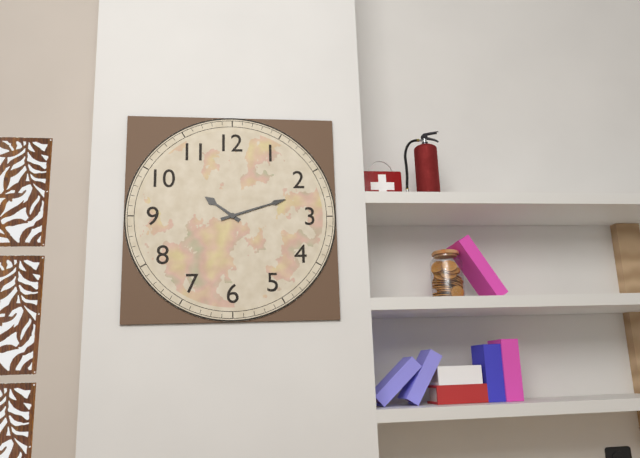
{"hour": 10, "minute": 12}
